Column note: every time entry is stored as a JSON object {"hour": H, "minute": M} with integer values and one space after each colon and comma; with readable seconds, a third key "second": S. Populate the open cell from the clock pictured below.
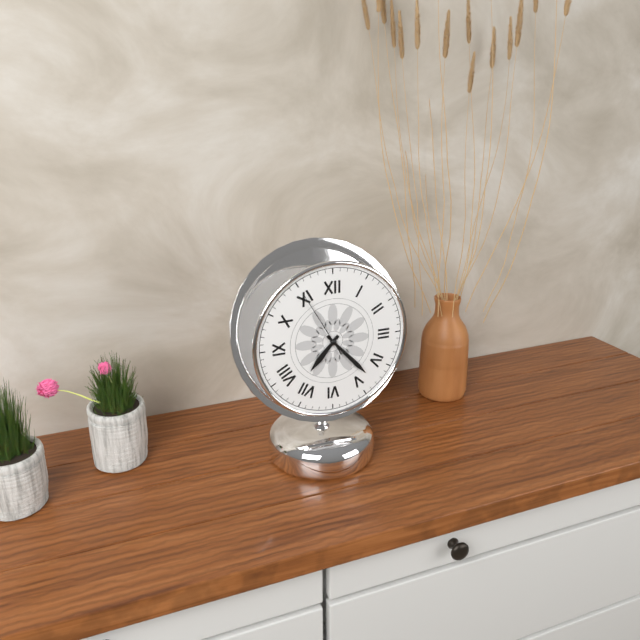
{"hour": 7, "minute": 23, "second": 55}
